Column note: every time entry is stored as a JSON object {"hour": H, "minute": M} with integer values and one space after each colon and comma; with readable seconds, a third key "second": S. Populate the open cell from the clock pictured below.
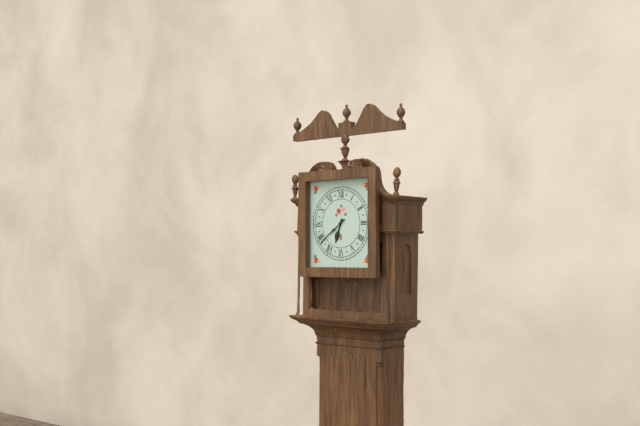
{"hour": 6, "minute": 39}
